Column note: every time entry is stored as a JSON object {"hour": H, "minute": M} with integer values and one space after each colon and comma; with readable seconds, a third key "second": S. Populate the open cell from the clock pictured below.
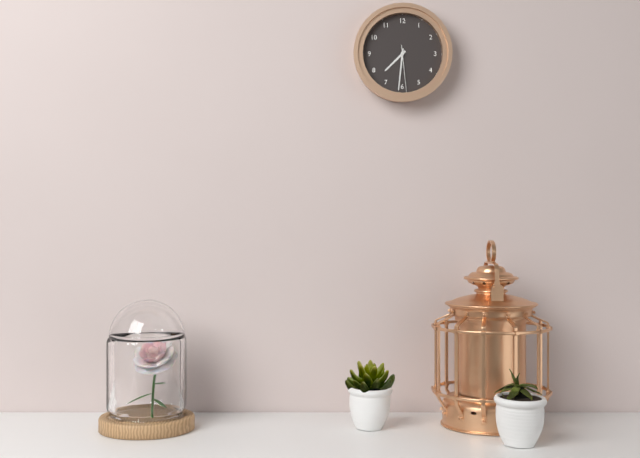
{"hour": 7, "minute": 31}
